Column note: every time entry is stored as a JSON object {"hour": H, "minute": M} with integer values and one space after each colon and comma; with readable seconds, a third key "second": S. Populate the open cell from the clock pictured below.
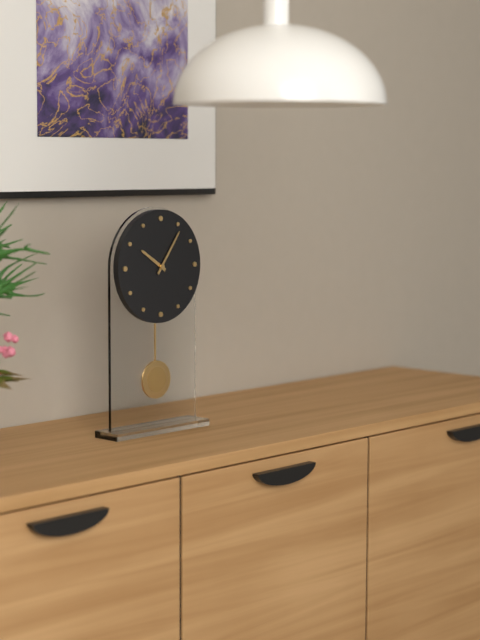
{"hour": 10, "minute": 6}
